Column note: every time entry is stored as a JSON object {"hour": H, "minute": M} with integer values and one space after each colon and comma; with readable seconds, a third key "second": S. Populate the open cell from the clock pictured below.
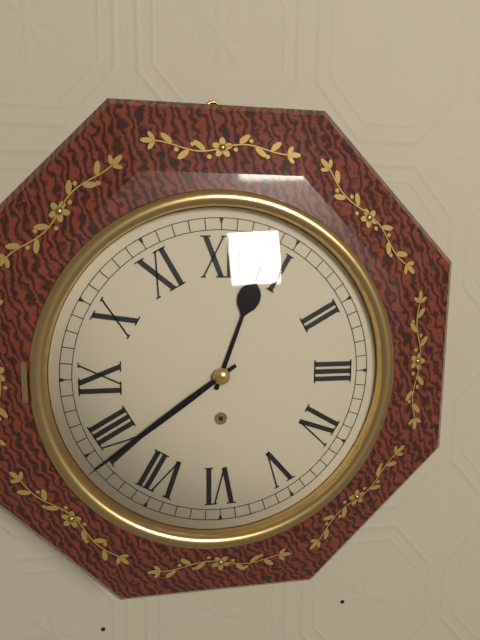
{"hour": 12, "minute": 39}
